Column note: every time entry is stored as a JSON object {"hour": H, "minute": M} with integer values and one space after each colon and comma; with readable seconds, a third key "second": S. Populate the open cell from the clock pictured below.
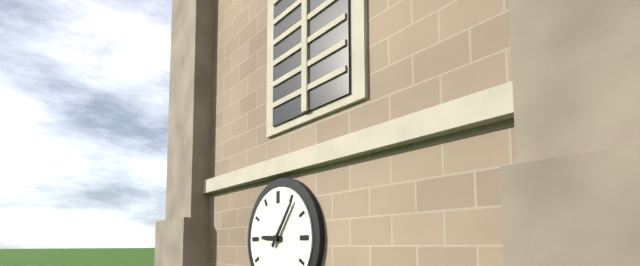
{"hour": 9, "minute": 6}
